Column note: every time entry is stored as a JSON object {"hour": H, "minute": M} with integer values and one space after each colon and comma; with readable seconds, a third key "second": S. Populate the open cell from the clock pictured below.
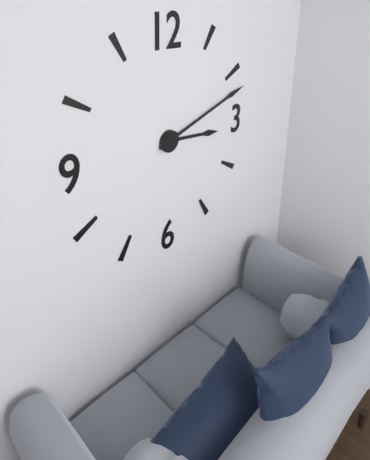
{"hour": 3, "minute": 12}
